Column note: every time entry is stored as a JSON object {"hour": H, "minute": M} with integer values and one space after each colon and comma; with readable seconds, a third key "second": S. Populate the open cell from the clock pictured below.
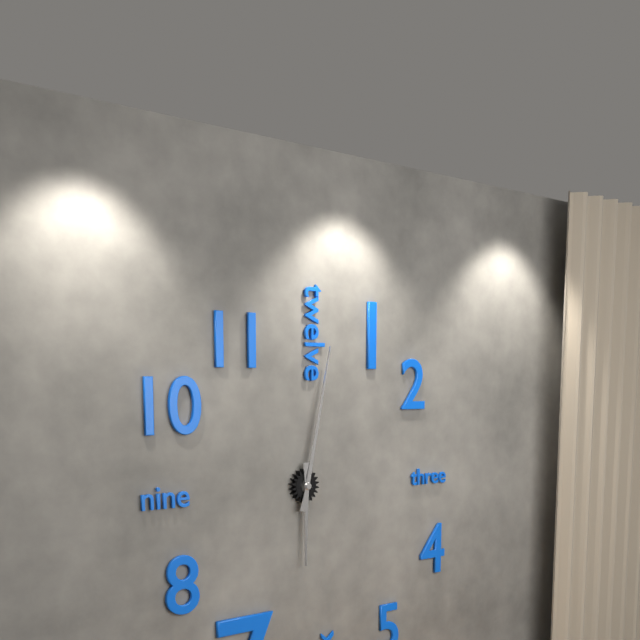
{"hour": 6, "minute": 2}
